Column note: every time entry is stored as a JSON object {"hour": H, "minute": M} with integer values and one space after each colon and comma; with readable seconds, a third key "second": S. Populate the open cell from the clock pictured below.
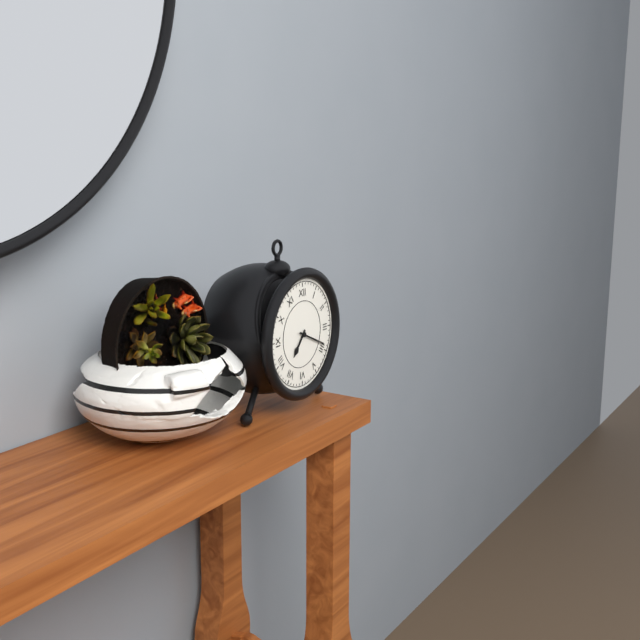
{"hour": 7, "minute": 19}
